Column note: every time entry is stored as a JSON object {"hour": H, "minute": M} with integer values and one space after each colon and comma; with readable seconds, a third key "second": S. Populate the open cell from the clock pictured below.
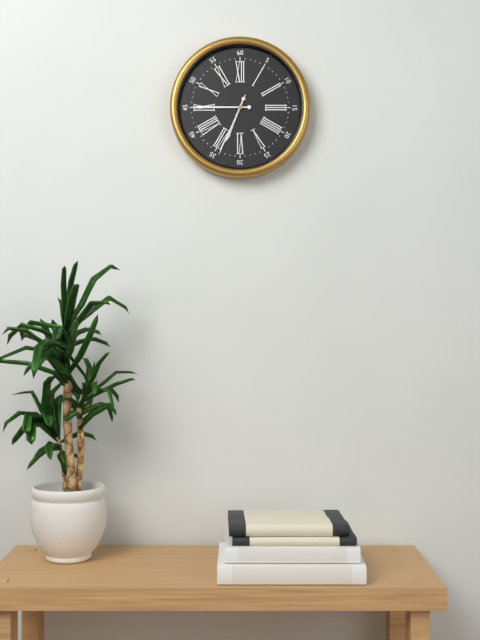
{"hour": 6, "minute": 45, "second": 34}
